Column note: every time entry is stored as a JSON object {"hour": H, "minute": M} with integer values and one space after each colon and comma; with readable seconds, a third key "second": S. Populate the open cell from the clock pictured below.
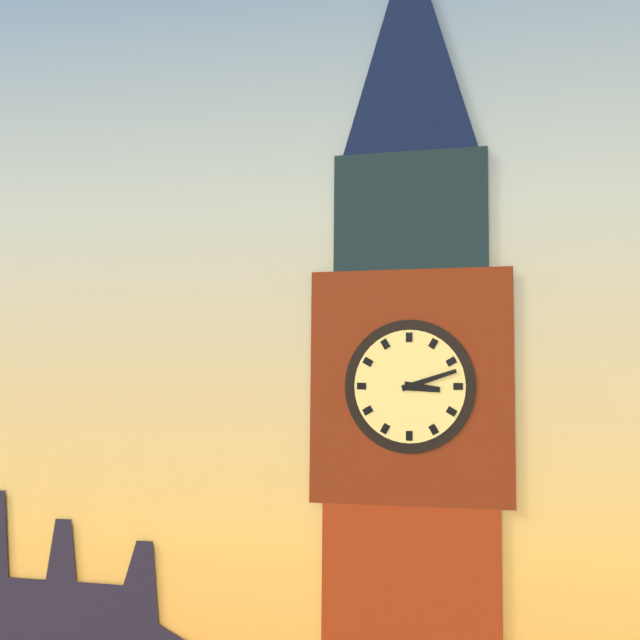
{"hour": 3, "minute": 12}
